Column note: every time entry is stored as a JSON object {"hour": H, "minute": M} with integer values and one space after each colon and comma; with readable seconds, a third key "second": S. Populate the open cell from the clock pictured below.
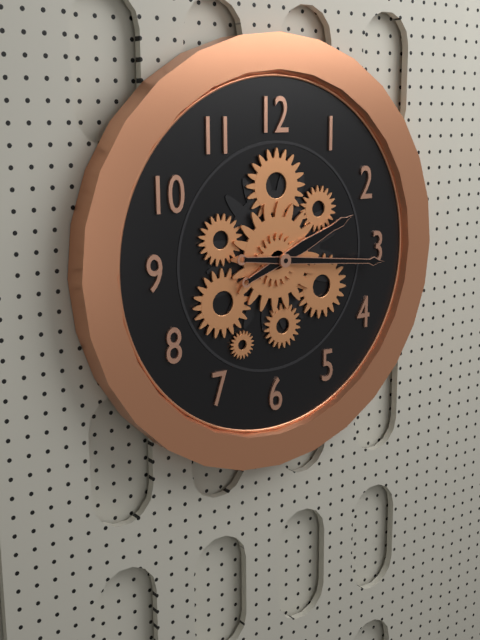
{"hour": 2, "minute": 16}
